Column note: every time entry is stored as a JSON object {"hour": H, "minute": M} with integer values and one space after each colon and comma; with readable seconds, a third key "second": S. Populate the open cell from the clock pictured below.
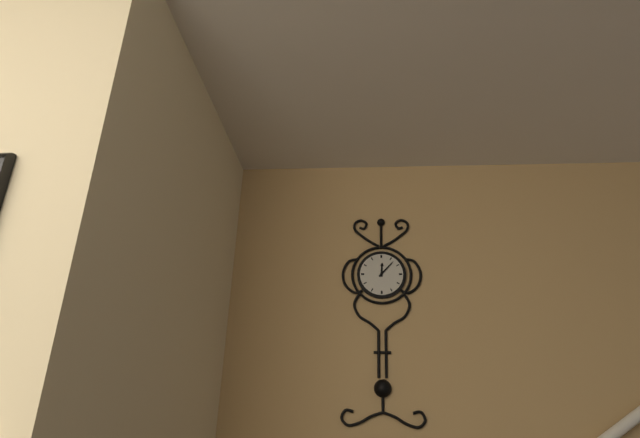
{"hour": 12, "minute": 7}
